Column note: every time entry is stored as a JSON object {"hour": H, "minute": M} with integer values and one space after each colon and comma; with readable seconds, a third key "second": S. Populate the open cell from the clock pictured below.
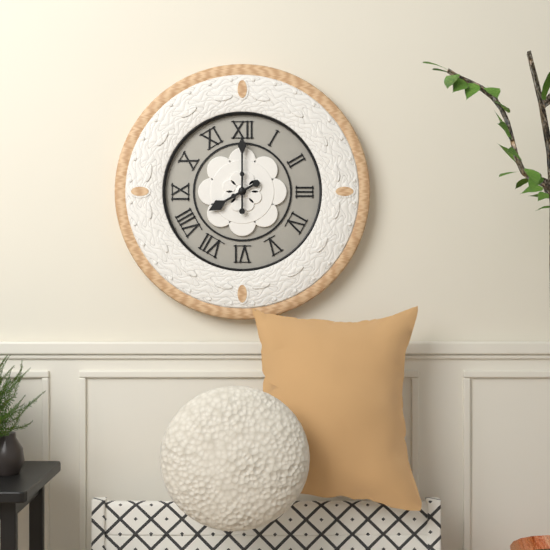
{"hour": 8, "minute": 0}
